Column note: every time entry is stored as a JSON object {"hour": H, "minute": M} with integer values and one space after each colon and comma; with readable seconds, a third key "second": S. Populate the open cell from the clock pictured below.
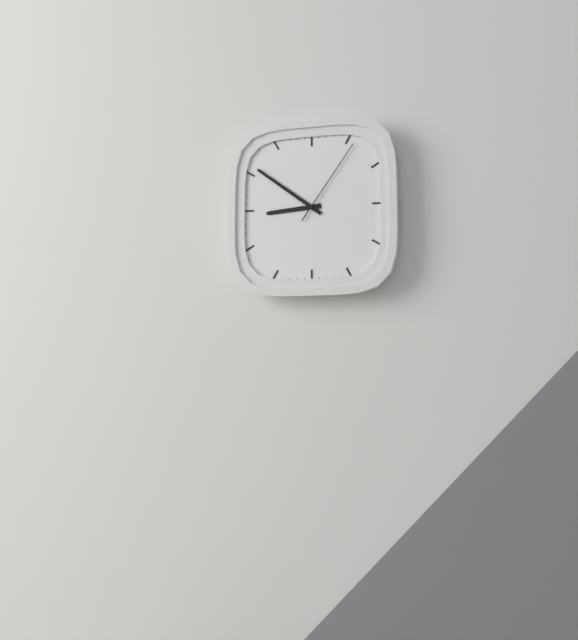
{"hour": 8, "minute": 51, "second": 6}
